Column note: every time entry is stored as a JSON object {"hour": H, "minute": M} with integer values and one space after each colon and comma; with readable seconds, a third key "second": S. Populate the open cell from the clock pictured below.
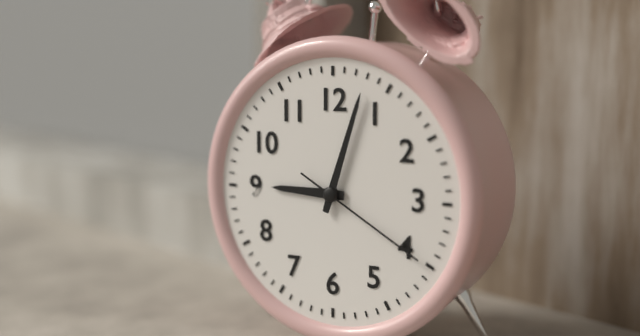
{"hour": 9, "minute": 3, "second": 20}
